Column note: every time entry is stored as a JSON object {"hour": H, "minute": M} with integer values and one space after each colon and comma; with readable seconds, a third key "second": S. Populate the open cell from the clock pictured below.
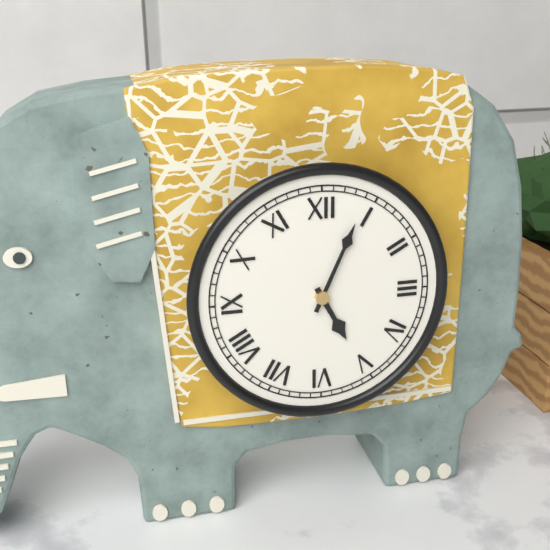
{"hour": 5, "minute": 4}
